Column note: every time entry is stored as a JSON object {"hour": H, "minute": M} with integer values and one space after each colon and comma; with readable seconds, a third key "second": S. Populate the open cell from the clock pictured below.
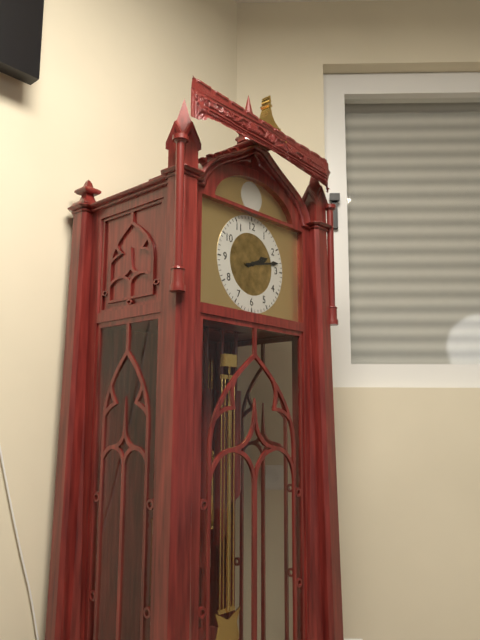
{"hour": 2, "minute": 13}
